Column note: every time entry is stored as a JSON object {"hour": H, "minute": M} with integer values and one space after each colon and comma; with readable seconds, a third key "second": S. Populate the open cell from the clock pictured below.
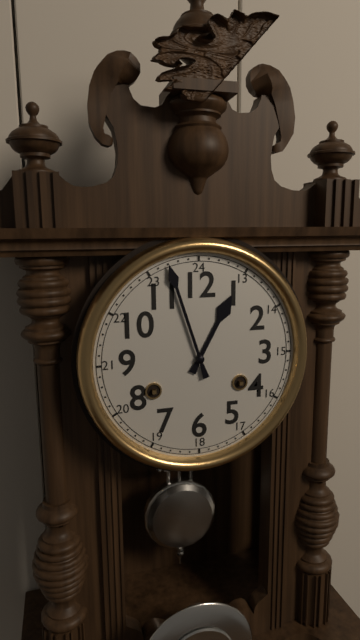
{"hour": 12, "minute": 57}
